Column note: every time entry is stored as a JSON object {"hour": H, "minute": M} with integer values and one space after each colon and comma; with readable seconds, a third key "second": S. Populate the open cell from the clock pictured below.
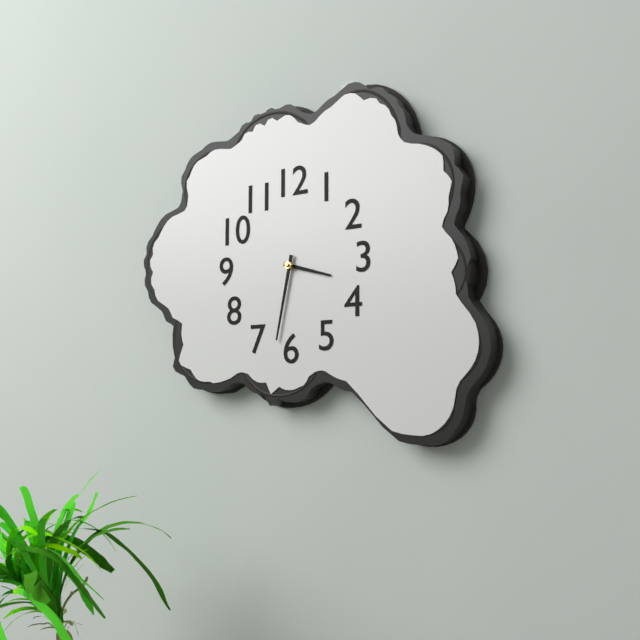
{"hour": 3, "minute": 32}
